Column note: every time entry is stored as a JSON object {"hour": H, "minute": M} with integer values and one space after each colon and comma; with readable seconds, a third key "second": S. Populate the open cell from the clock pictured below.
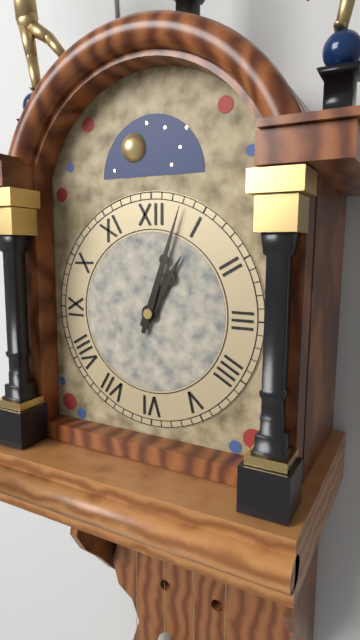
{"hour": 1, "minute": 3}
